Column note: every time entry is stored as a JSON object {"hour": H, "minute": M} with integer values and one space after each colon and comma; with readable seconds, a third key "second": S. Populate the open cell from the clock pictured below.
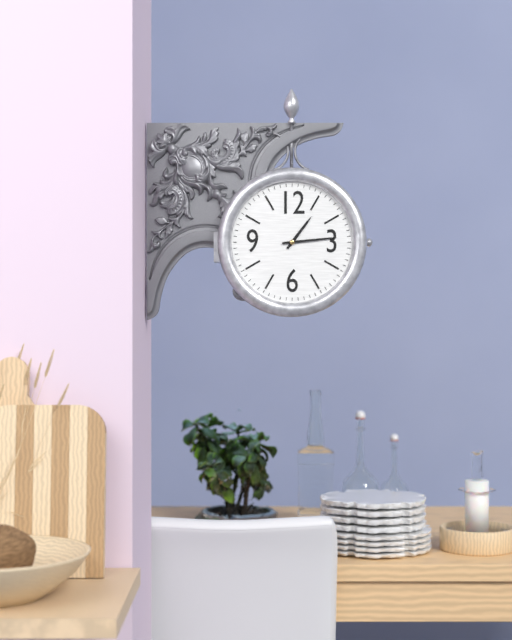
{"hour": 1, "minute": 14}
